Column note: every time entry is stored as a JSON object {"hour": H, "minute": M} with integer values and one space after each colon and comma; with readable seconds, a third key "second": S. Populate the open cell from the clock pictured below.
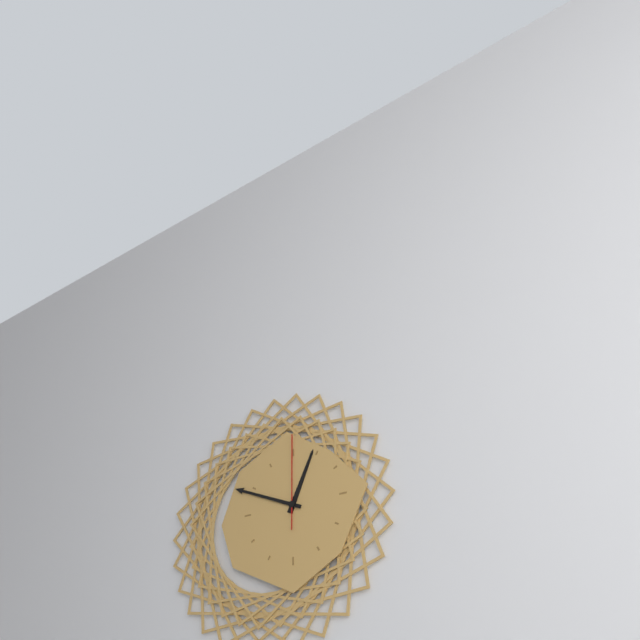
{"hour": 12, "minute": 49, "second": 0}
